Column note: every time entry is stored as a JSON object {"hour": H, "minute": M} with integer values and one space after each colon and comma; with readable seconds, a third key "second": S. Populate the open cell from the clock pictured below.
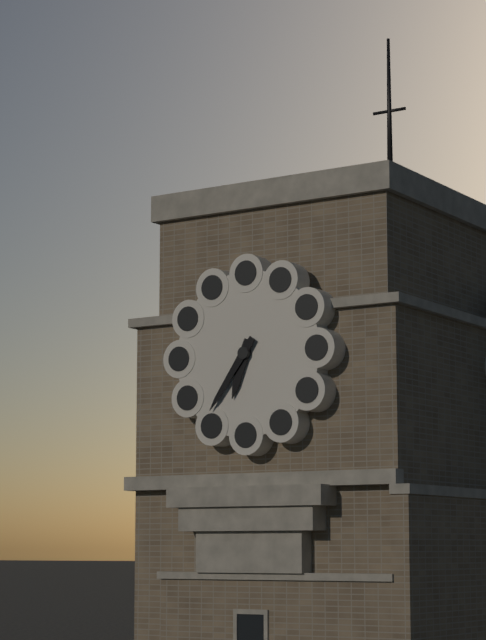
{"hour": 6, "minute": 36}
